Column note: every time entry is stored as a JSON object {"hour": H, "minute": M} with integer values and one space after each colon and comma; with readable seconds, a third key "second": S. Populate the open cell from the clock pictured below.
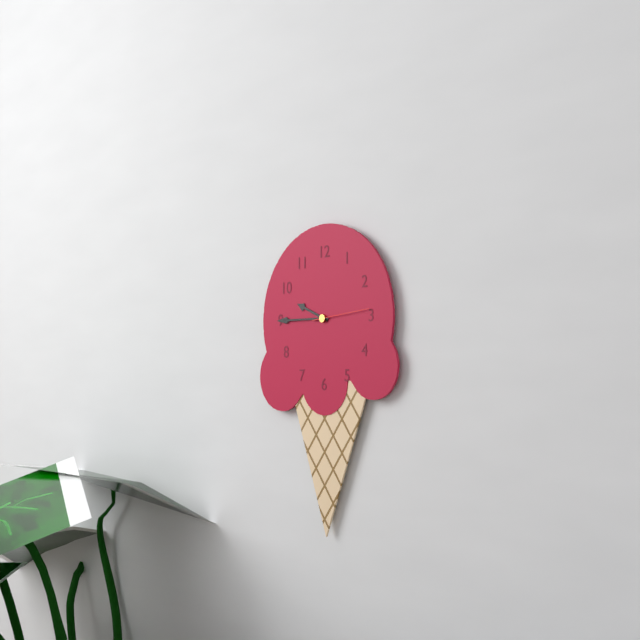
{"hour": 9, "minute": 45}
